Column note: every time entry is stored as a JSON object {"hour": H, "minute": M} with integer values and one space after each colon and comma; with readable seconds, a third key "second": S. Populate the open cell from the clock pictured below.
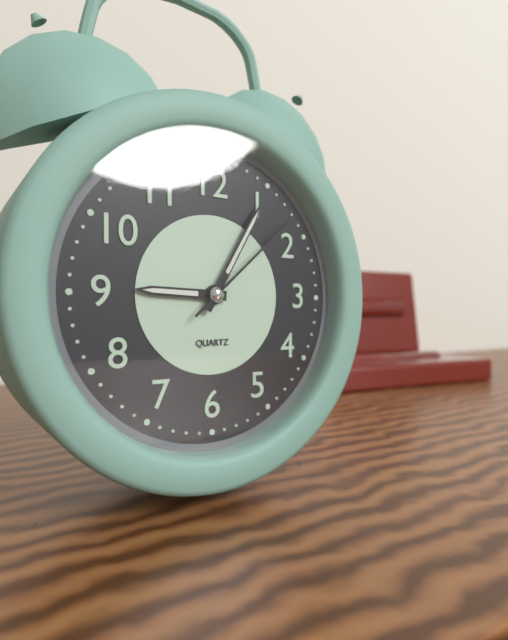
{"hour": 9, "minute": 5, "second": 8}
